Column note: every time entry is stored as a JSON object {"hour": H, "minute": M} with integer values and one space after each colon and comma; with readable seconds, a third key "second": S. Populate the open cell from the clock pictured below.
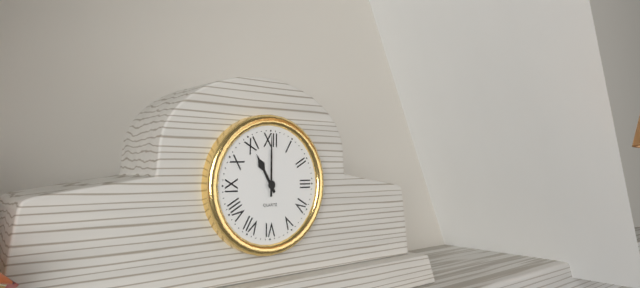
{"hour": 11, "minute": 0}
